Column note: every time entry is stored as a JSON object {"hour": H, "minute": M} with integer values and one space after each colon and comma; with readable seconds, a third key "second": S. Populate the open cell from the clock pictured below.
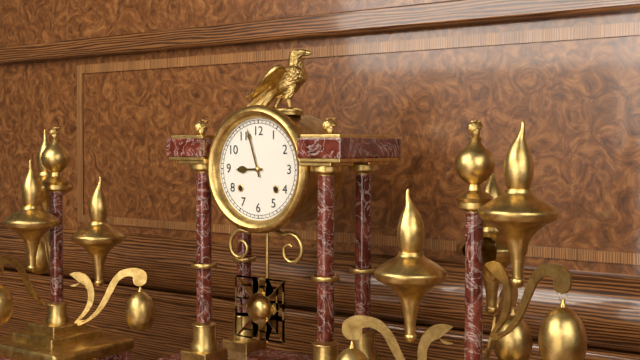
{"hour": 8, "minute": 57}
